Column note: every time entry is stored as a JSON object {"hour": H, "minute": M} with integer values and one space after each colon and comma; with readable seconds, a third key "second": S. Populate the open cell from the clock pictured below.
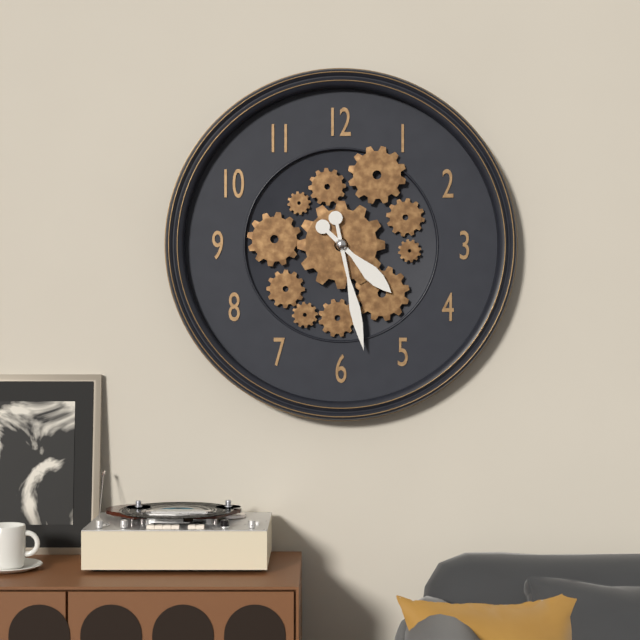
{"hour": 4, "minute": 28}
